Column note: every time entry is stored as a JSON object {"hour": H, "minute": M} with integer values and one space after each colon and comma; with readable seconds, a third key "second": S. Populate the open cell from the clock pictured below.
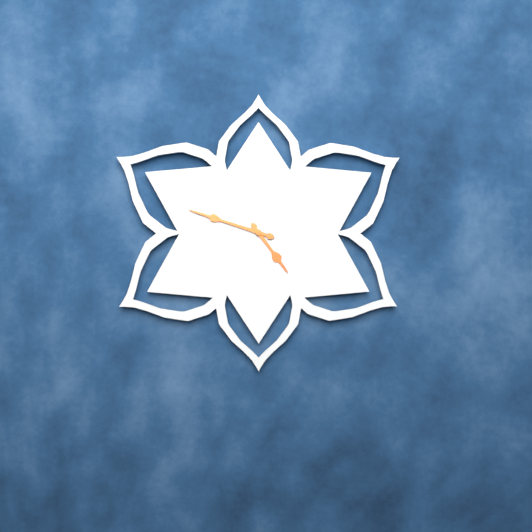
{"hour": 4, "minute": 48}
